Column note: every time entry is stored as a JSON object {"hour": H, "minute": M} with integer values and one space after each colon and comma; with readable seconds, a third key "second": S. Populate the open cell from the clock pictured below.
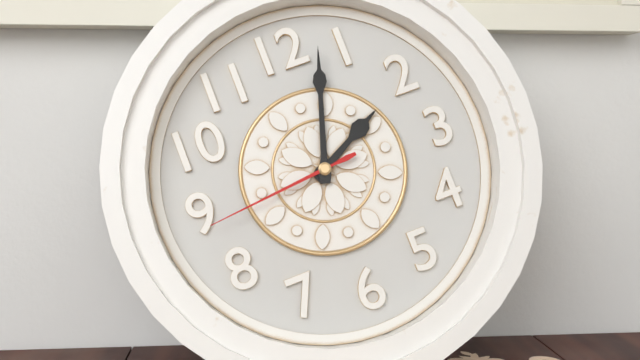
{"hour": 2, "minute": 3, "second": 44}
